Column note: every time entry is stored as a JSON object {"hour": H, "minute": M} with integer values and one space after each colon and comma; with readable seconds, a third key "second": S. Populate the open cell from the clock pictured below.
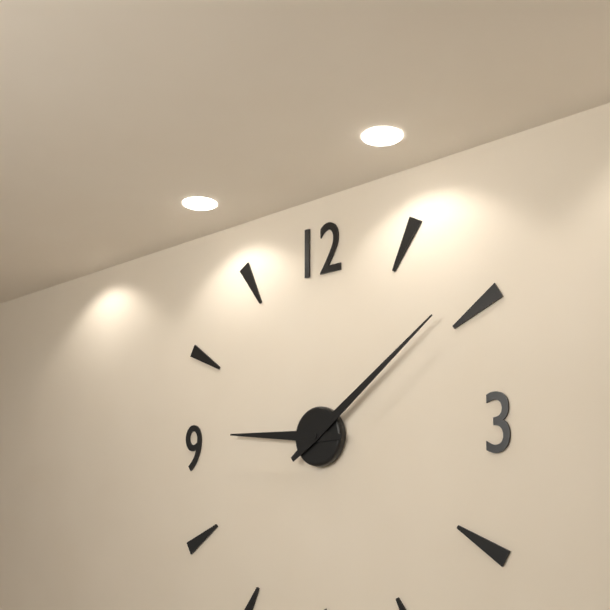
{"hour": 9, "minute": 9}
